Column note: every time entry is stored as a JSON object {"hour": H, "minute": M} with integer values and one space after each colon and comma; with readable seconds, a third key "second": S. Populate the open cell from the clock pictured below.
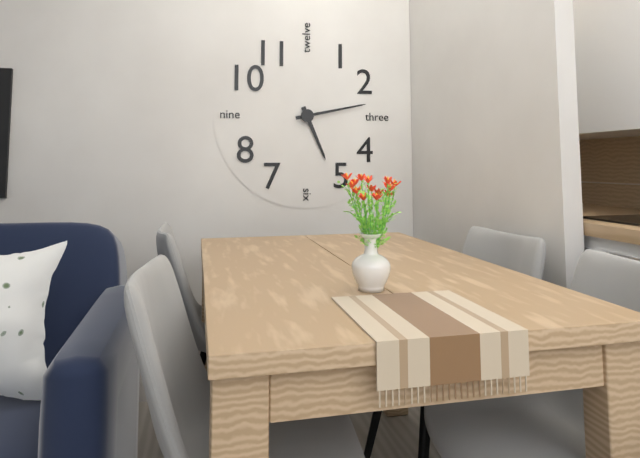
{"hour": 5, "minute": 13}
